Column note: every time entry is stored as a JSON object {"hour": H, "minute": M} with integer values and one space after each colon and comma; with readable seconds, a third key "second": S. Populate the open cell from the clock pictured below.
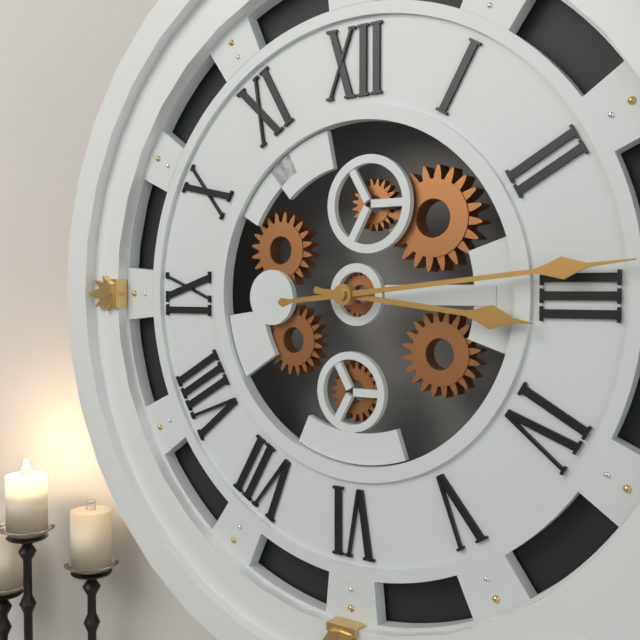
{"hour": 3, "minute": 14}
